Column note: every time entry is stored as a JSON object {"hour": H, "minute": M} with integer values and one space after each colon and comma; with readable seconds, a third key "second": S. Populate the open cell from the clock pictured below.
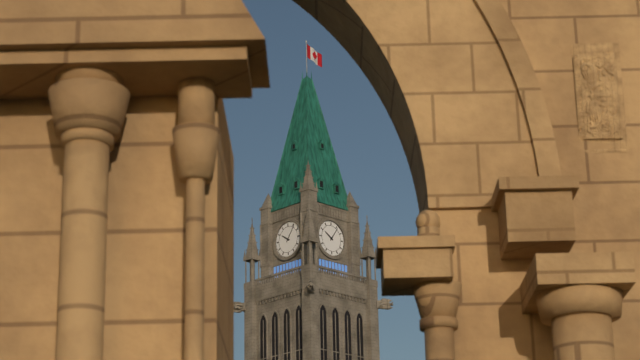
{"hour": 10, "minute": 6}
